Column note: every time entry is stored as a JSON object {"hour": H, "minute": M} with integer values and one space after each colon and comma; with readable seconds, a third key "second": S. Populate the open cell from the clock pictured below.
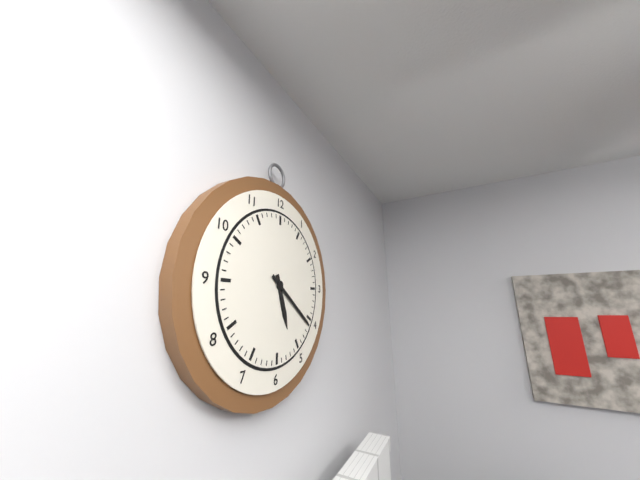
{"hour": 5, "minute": 21}
